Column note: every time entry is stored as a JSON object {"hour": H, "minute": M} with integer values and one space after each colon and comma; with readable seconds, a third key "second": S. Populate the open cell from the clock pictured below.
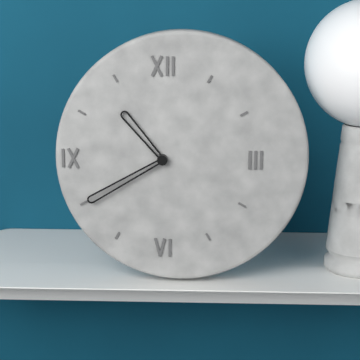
{"hour": 10, "minute": 40}
